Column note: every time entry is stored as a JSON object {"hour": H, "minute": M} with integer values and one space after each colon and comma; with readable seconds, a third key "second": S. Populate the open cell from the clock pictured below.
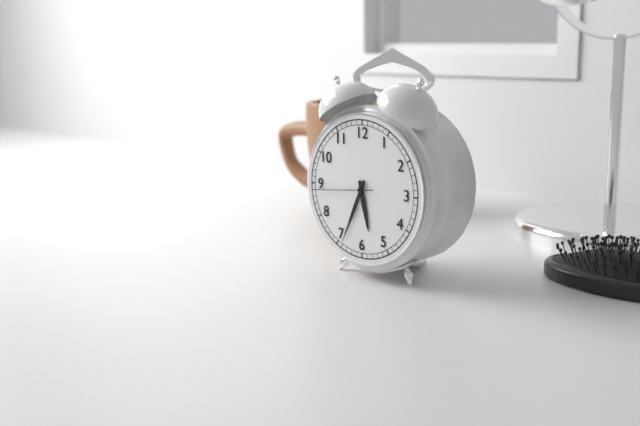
{"hour": 5, "minute": 34, "second": 44}
